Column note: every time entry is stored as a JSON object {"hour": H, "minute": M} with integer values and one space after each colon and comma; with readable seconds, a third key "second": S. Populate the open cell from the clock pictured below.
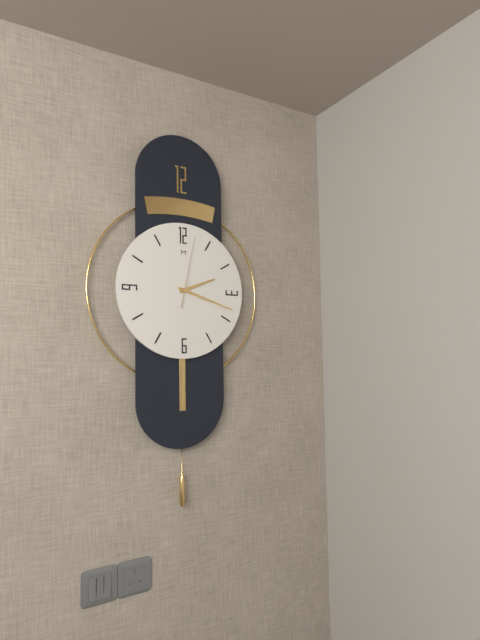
{"hour": 2, "minute": 18, "second": 2}
